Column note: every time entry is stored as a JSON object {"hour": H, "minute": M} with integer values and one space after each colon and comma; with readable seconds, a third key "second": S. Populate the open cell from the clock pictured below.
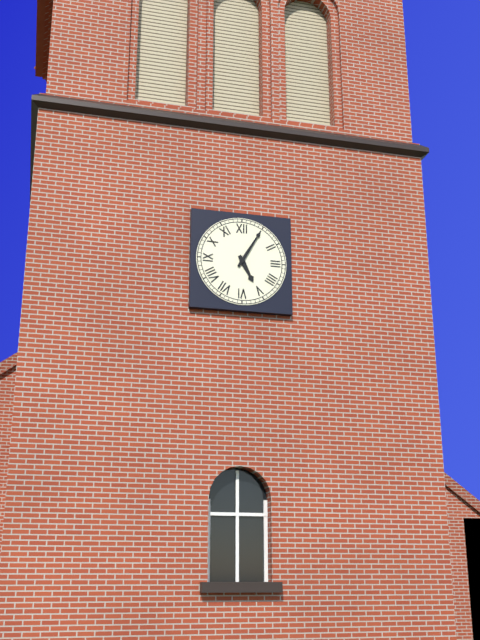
{"hour": 5, "minute": 5}
